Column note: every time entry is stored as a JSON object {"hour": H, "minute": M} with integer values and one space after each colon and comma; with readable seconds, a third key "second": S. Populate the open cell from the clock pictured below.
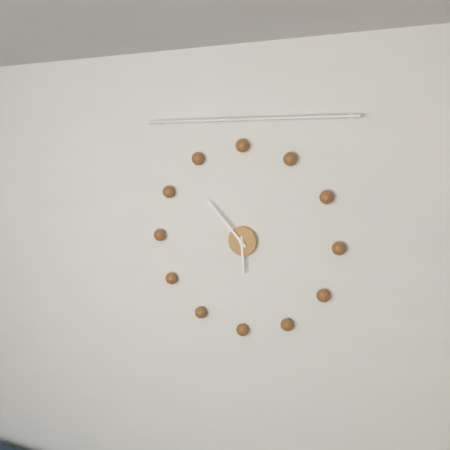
{"hour": 5, "minute": 53}
